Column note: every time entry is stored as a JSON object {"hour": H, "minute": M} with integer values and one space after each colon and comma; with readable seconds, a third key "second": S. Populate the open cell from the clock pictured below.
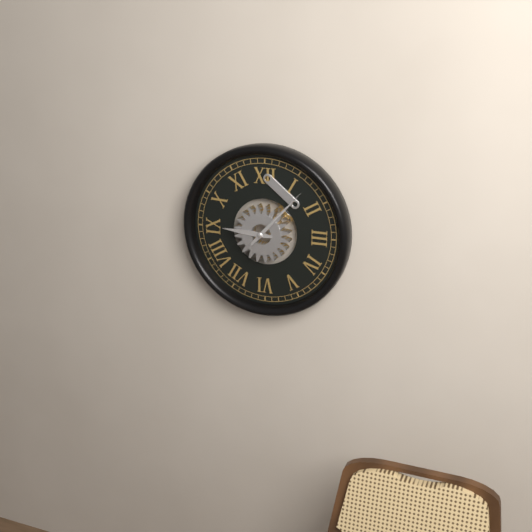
{"hour": 9, "minute": 7}
